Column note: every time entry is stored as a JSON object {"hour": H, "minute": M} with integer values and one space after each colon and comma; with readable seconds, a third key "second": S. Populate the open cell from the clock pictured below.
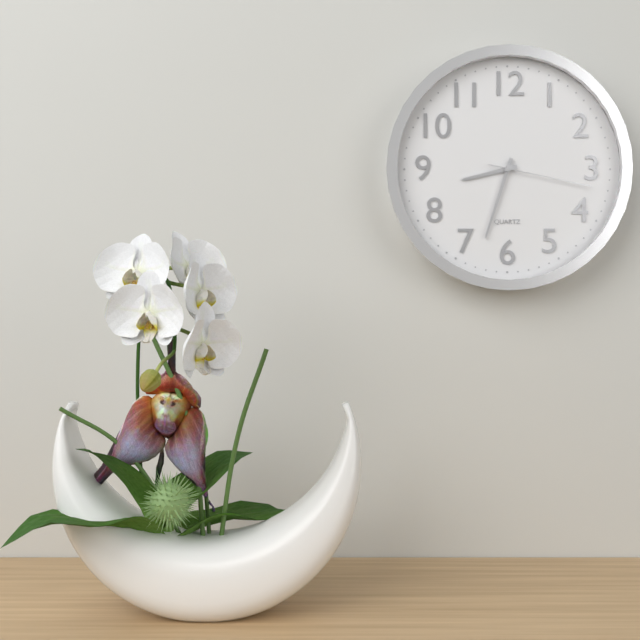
{"hour": 8, "minute": 33, "second": 17}
